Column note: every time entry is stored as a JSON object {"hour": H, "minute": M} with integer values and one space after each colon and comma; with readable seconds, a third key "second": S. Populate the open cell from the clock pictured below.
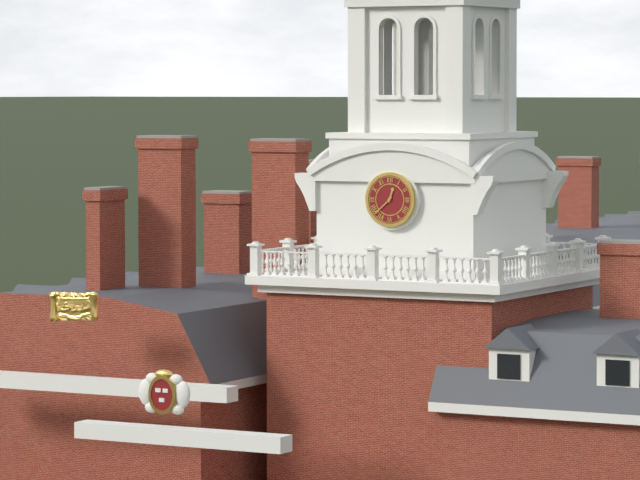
{"hour": 12, "minute": 38}
